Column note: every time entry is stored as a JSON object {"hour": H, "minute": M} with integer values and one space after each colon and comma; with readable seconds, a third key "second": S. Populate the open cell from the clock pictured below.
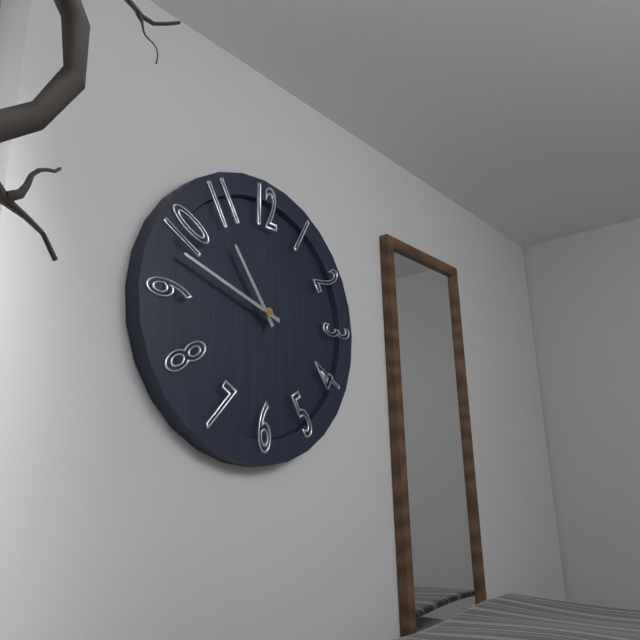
{"hour": 10, "minute": 48}
